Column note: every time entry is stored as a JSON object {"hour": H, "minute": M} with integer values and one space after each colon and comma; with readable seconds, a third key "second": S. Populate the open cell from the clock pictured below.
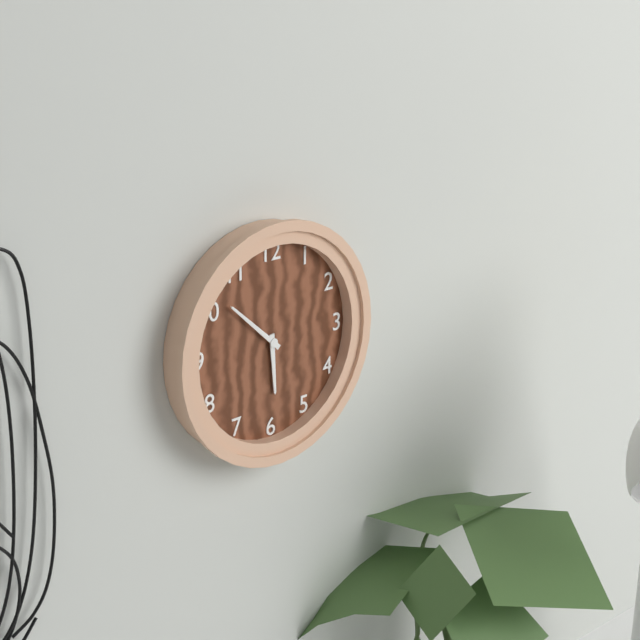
{"hour": 5, "minute": 52}
